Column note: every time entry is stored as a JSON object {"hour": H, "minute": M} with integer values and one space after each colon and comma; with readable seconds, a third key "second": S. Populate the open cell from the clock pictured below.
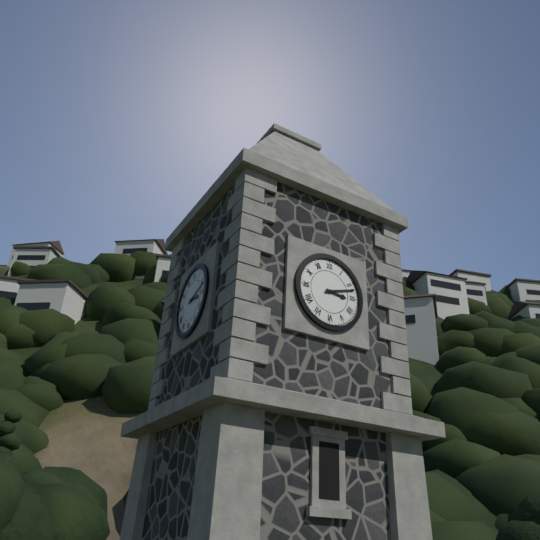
{"hour": 3, "minute": 12}
